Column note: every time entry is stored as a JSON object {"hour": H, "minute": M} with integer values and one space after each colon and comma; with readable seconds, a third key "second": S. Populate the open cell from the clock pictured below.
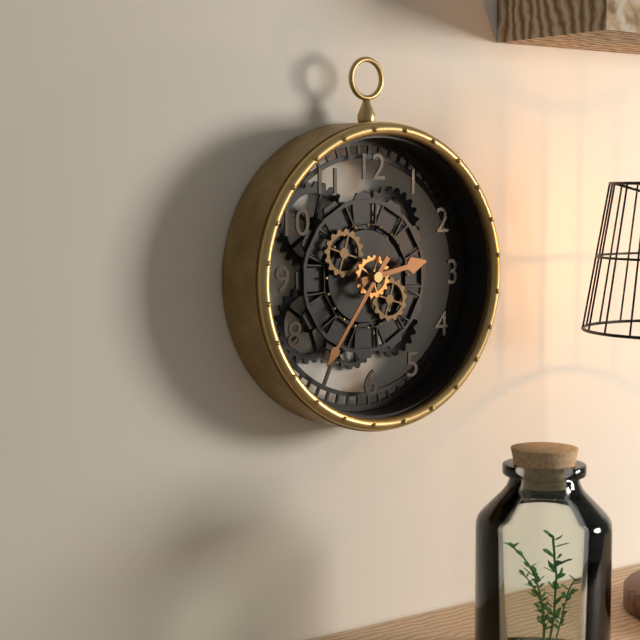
{"hour": 2, "minute": 36}
